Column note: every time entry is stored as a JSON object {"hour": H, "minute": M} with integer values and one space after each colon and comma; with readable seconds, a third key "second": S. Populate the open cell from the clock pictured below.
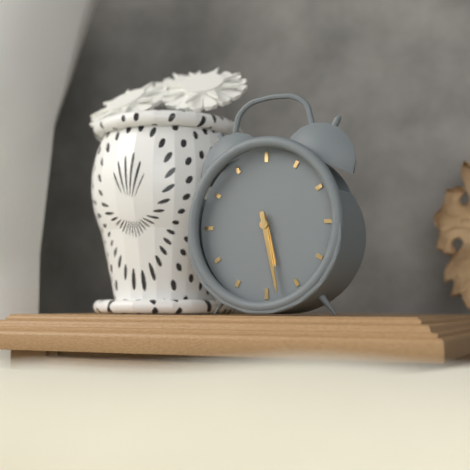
{"hour": 5, "minute": 28}
